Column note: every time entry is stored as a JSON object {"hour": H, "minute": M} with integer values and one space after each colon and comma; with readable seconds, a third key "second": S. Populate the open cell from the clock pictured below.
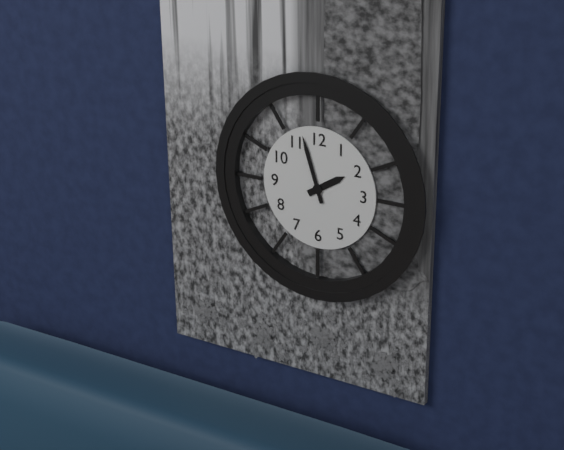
{"hour": 1, "minute": 57}
